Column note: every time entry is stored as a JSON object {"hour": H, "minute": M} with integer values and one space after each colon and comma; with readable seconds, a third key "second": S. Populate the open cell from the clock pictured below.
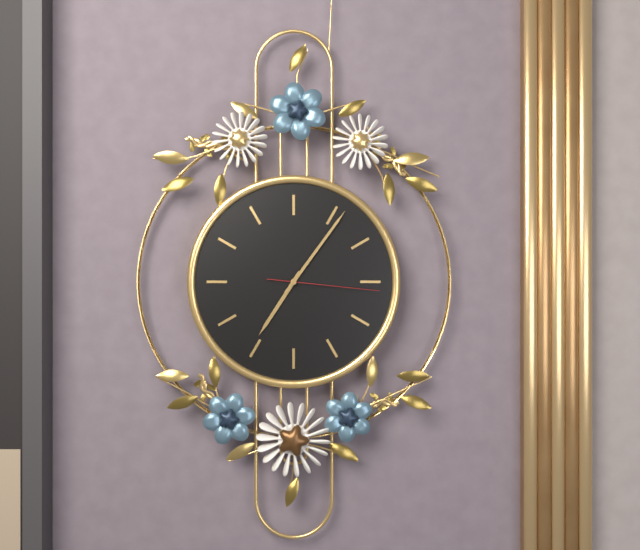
{"hour": 7, "minute": 6, "second": 16}
